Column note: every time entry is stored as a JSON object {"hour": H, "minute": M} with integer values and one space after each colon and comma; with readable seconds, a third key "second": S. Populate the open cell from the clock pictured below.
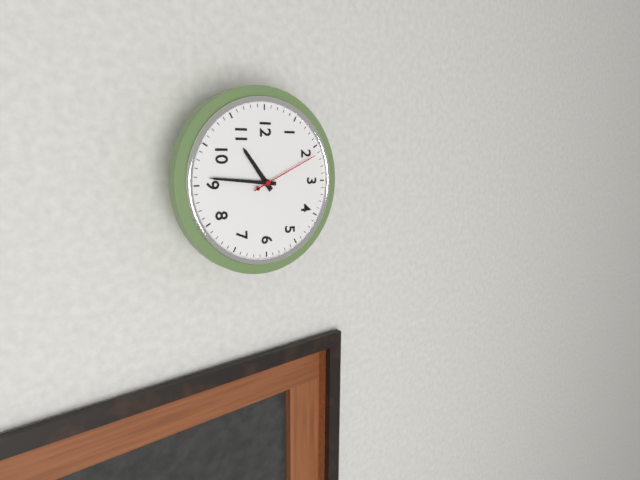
{"hour": 10, "minute": 46, "second": 11}
